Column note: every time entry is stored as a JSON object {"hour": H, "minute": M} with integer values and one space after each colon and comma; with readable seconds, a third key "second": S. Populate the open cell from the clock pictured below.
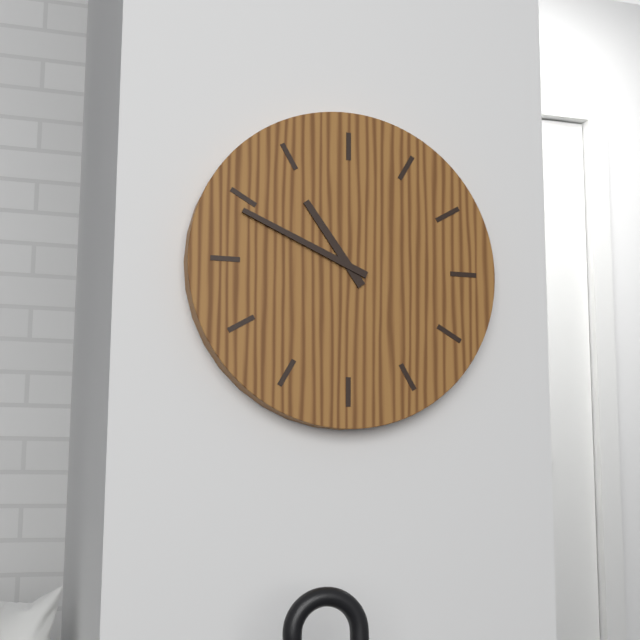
{"hour": 10, "minute": 49}
